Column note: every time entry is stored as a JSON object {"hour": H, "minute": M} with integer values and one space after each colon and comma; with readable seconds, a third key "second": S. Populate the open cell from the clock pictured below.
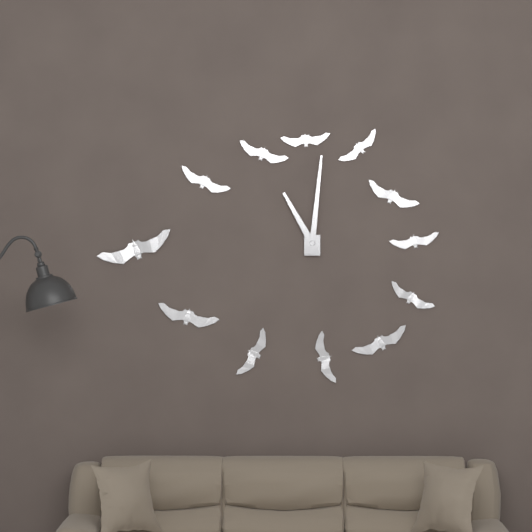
{"hour": 11, "minute": 1}
